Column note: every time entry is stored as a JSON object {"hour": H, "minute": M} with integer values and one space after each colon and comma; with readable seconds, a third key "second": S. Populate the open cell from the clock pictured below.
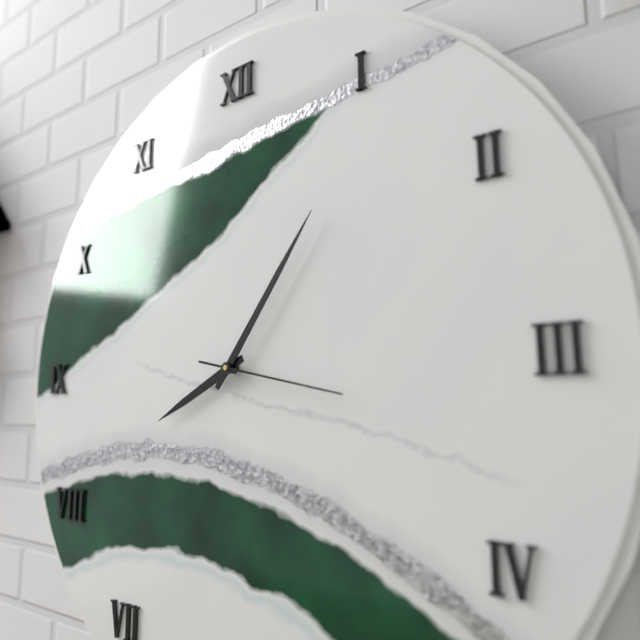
{"hour": 8, "minute": 6, "second": 17}
